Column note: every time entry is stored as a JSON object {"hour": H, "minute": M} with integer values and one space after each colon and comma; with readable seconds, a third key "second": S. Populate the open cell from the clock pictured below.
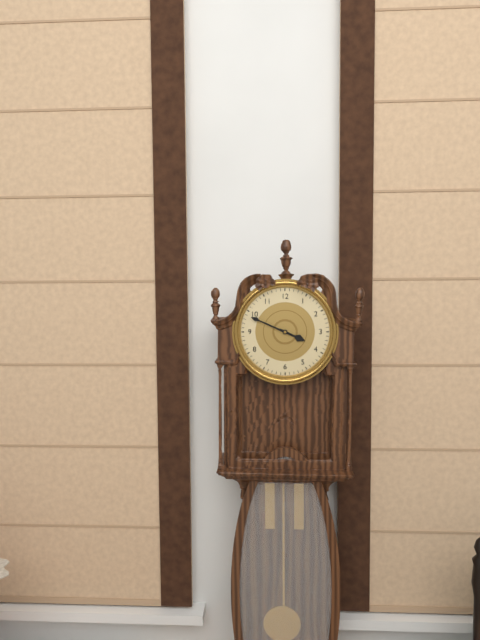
{"hour": 3, "minute": 49}
